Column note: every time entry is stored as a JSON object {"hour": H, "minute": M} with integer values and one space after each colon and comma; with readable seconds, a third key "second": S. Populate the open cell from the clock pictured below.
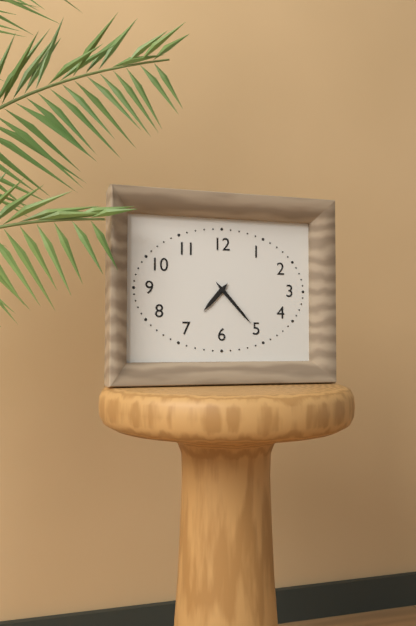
{"hour": 7, "minute": 23}
